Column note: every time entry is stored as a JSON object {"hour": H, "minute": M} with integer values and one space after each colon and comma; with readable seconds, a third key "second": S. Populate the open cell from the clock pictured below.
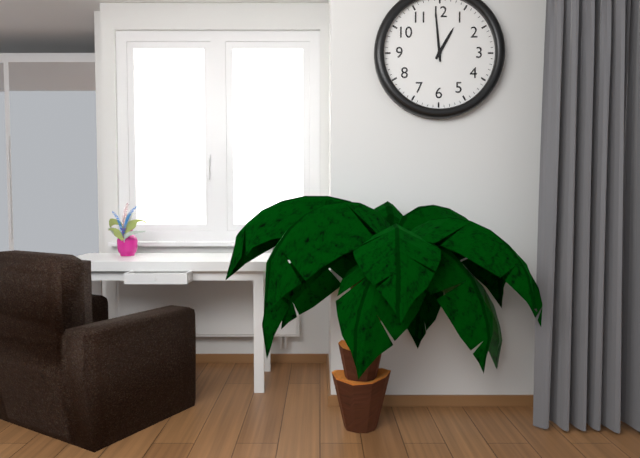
{"hour": 12, "minute": 59}
